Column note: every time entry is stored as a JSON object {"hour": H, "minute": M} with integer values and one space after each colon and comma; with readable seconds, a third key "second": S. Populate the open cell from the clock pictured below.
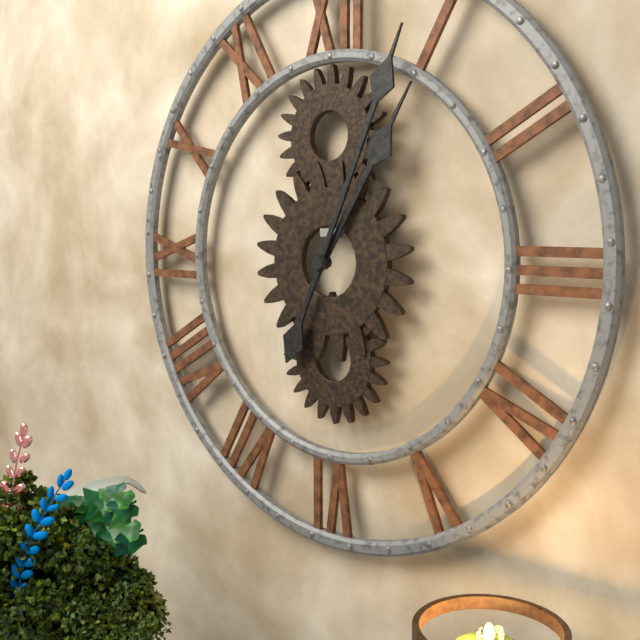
{"hour": 1, "minute": 4}
